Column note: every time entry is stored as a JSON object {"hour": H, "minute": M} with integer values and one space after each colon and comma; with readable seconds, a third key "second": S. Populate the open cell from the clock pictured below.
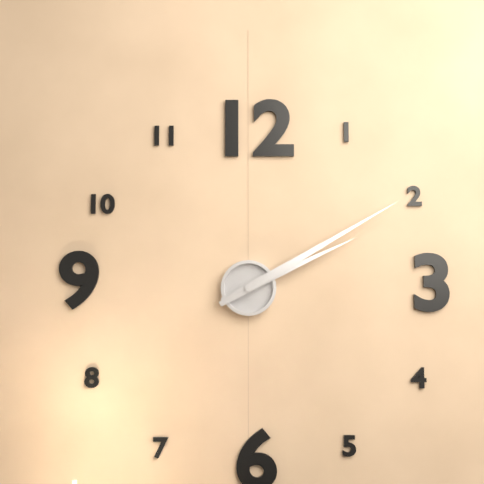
{"hour": 2, "minute": 10}
